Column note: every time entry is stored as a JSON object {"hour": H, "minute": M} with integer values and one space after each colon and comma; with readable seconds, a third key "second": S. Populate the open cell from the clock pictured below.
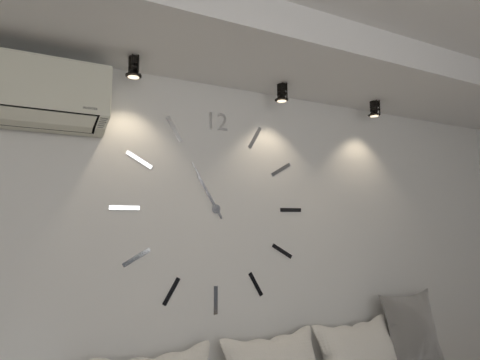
{"hour": 10, "minute": 55}
